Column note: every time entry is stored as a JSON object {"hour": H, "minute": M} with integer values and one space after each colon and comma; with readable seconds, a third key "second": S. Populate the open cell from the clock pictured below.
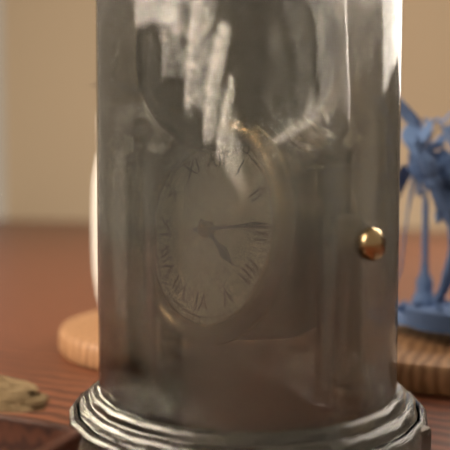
{"hour": 4, "minute": 14}
